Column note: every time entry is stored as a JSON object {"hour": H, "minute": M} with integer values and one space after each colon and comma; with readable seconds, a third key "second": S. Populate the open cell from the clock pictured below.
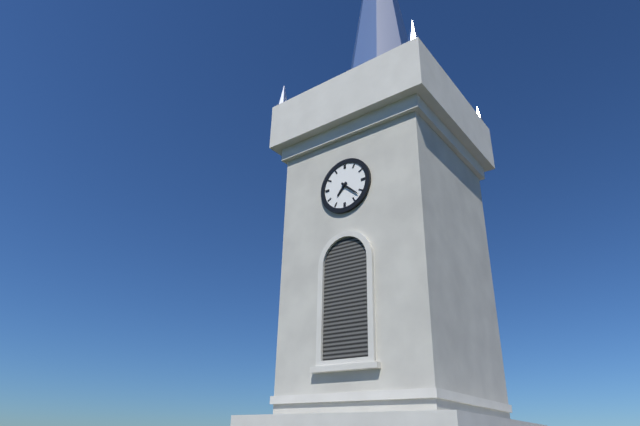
{"hour": 7, "minute": 22}
